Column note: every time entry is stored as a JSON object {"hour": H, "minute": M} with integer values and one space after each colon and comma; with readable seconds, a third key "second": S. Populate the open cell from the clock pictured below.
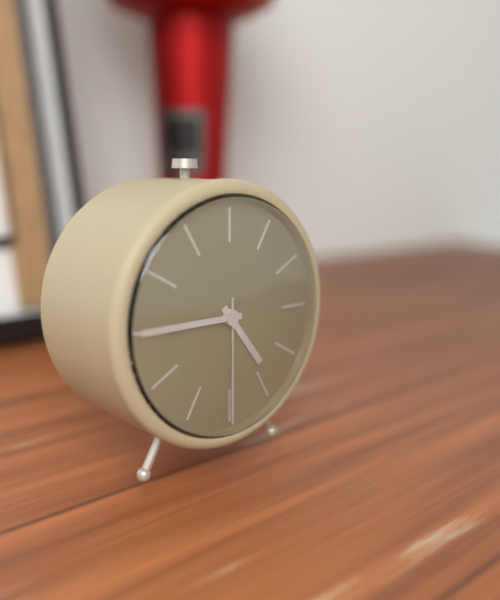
{"hour": 4, "minute": 45, "second": 30}
